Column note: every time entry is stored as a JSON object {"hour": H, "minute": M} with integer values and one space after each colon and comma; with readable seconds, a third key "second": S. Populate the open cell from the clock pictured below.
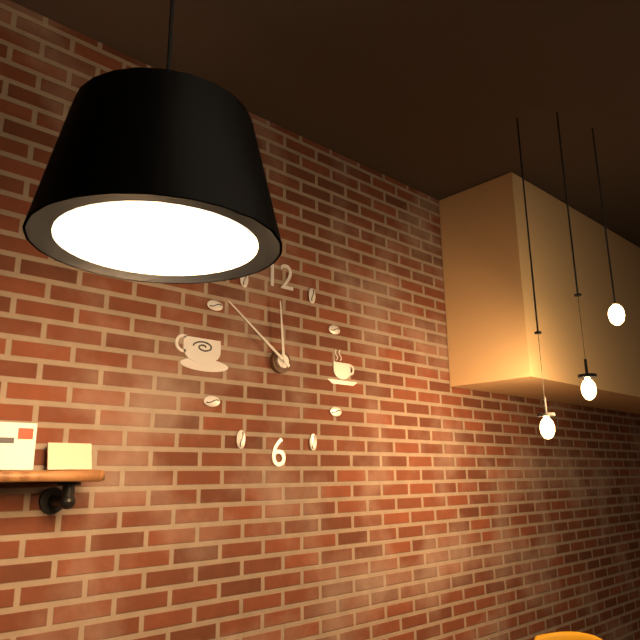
{"hour": 11, "minute": 51}
